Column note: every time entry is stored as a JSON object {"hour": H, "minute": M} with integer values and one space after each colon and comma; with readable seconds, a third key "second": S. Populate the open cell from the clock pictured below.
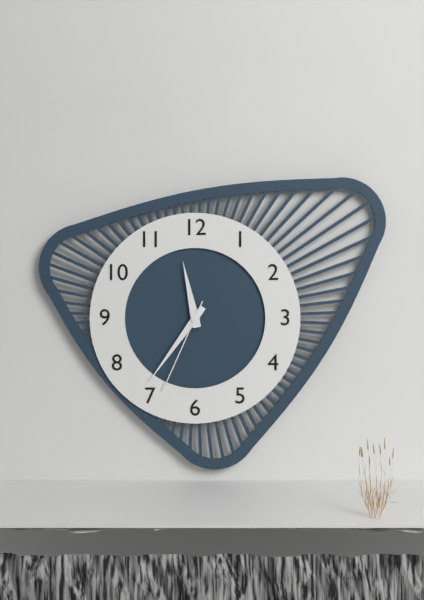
{"hour": 11, "minute": 36, "second": 34}
